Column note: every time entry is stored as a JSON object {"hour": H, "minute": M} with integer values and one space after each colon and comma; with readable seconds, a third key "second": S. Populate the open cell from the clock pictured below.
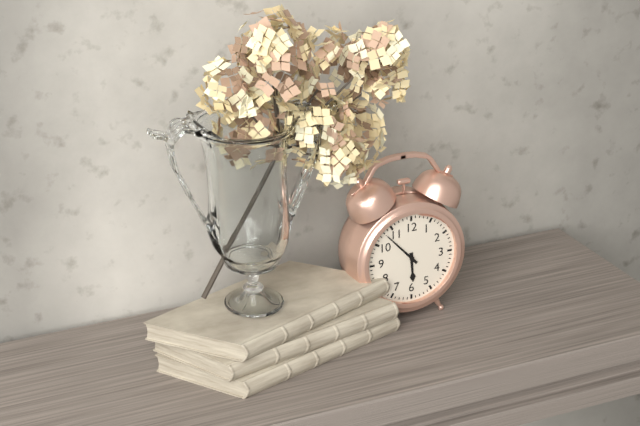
{"hour": 5, "minute": 53}
